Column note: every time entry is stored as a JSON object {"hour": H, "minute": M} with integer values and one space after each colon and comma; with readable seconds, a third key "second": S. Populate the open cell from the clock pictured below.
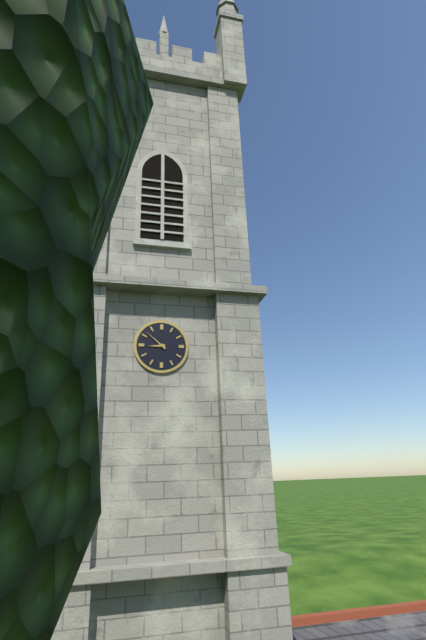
{"hour": 8, "minute": 52}
